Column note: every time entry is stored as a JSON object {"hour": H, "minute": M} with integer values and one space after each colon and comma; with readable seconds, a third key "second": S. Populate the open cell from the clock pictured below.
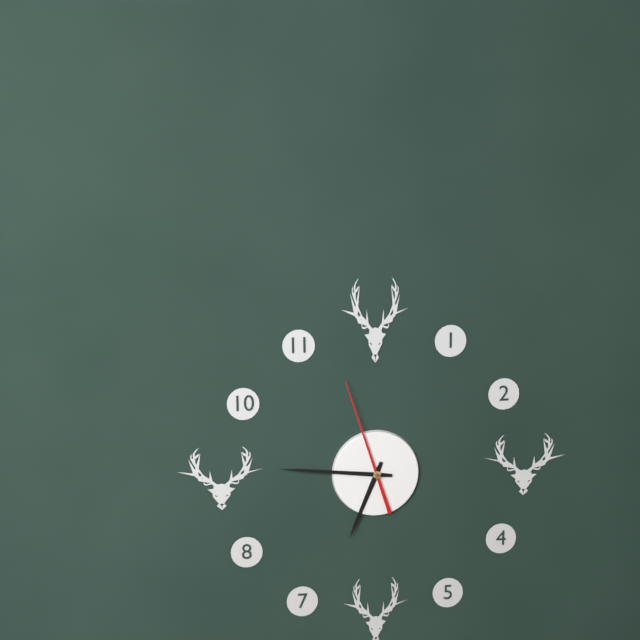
{"hour": 6, "minute": 46, "second": 57}
